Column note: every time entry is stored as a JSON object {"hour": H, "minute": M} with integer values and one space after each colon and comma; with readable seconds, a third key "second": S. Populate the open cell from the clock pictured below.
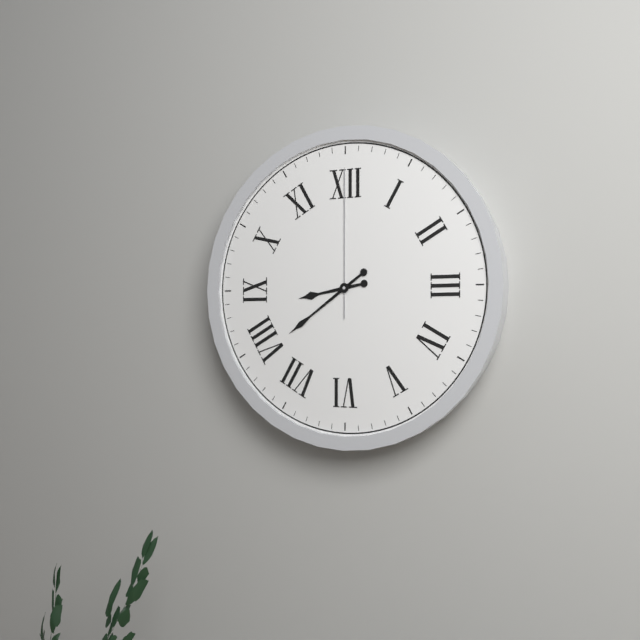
{"hour": 8, "minute": 39, "second": 0}
